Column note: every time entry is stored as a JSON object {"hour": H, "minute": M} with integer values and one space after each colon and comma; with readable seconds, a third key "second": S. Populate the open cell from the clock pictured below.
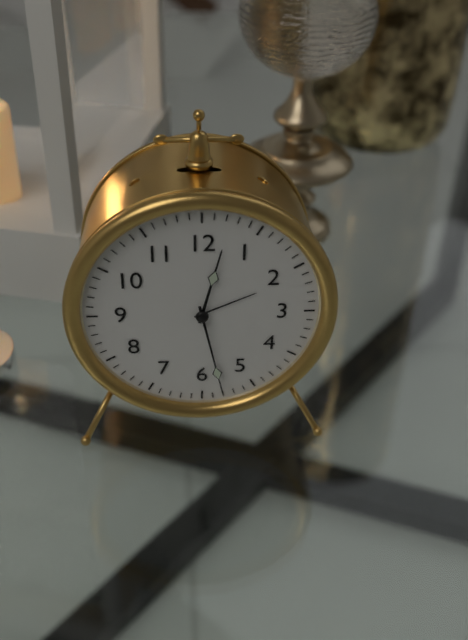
{"hour": 12, "minute": 28}
